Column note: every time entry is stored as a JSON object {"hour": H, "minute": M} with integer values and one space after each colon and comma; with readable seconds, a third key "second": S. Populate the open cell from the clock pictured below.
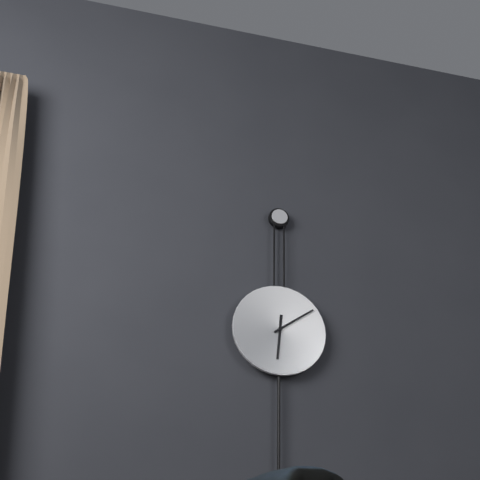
{"hour": 6, "minute": 9}
